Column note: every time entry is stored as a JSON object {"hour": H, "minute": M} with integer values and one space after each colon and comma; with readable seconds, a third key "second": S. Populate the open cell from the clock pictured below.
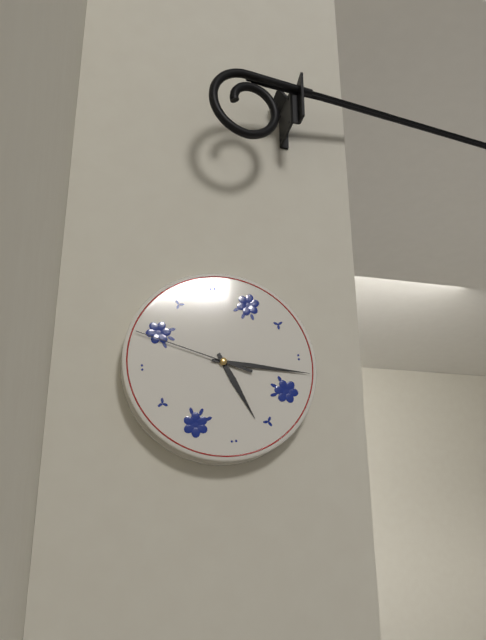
{"hour": 5, "minute": 17, "second": 49}
